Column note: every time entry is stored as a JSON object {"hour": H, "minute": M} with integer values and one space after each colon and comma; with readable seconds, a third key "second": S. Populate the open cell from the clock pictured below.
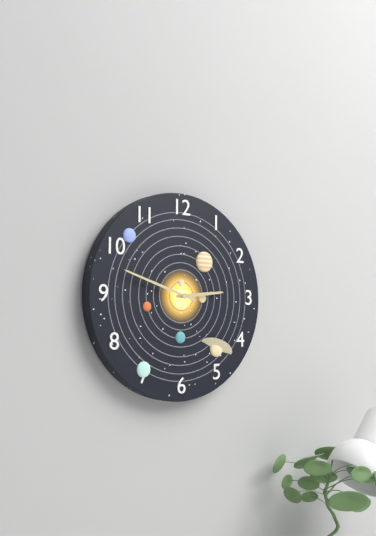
{"hour": 2, "minute": 48}
